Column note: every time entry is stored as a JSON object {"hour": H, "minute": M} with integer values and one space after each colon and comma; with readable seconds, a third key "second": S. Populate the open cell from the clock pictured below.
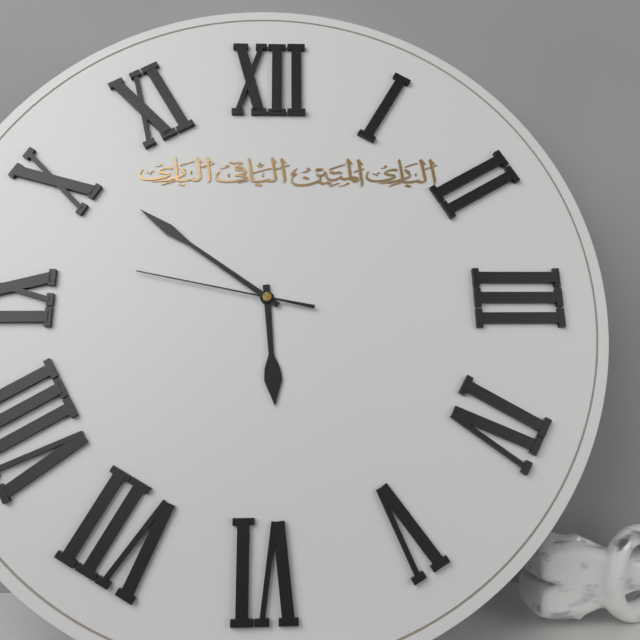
{"hour": 5, "minute": 51, "second": 47}
